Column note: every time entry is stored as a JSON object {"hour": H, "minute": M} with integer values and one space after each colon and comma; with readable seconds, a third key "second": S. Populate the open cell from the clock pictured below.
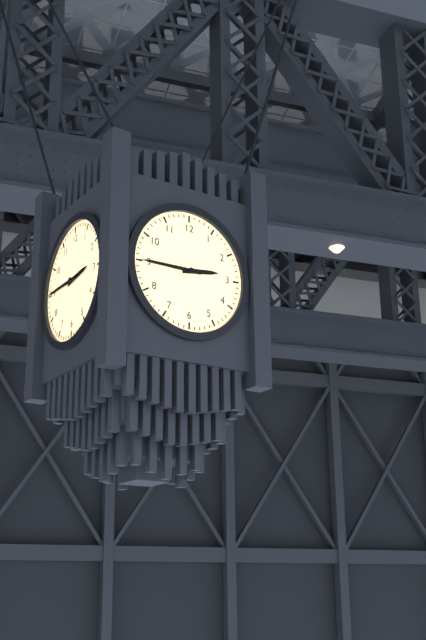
{"hour": 2, "minute": 45}
